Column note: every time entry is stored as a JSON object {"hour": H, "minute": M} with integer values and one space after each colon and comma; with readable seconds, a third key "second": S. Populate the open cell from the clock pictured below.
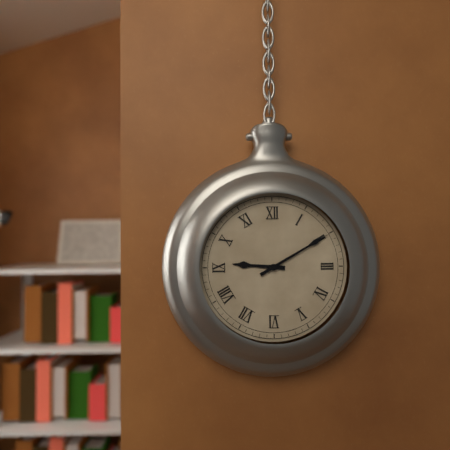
{"hour": 9, "minute": 10}
